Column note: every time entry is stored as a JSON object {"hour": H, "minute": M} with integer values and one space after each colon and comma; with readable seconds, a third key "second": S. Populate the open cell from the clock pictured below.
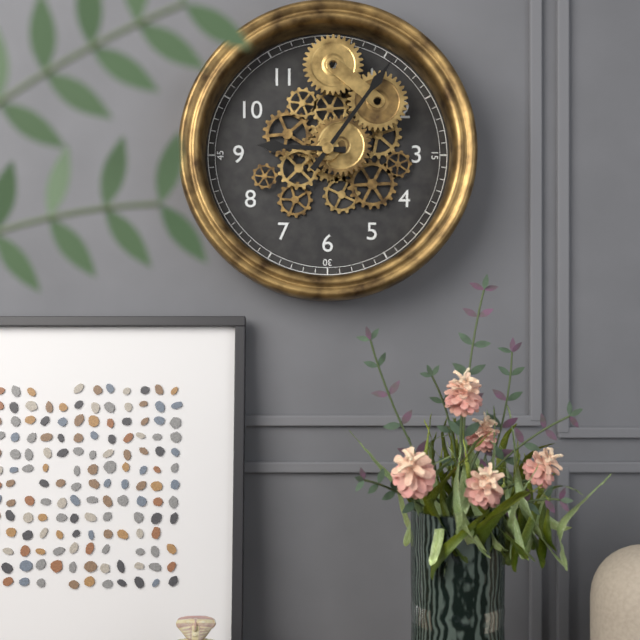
{"hour": 9, "minute": 6}
